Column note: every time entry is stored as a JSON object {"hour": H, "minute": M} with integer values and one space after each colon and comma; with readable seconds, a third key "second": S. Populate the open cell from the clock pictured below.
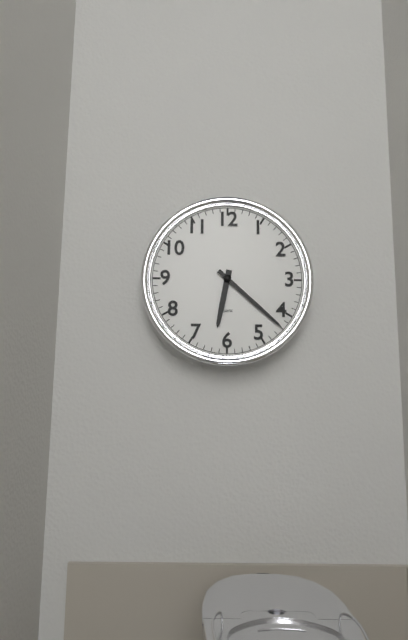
{"hour": 6, "minute": 22}
